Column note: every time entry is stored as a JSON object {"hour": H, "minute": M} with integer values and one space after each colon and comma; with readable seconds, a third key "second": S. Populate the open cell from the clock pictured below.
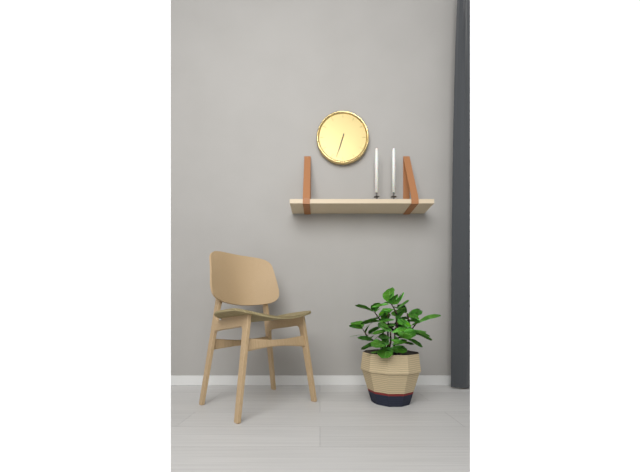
{"hour": 6, "minute": 33}
